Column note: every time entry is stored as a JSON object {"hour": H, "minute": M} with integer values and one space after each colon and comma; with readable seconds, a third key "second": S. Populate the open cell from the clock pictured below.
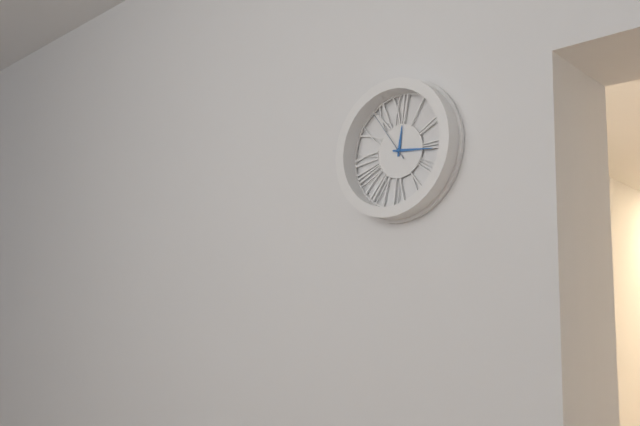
{"hour": 12, "minute": 16, "second": 54}
